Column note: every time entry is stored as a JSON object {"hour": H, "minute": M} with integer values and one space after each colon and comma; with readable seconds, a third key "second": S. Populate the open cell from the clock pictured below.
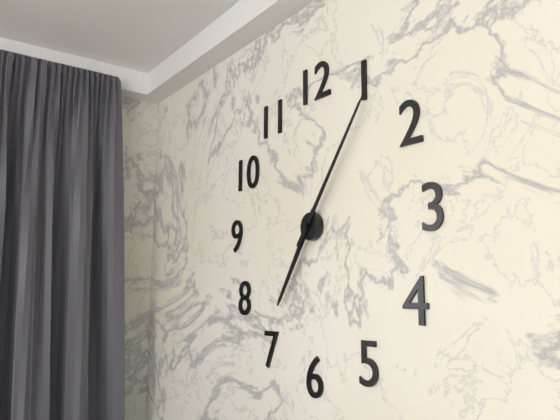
{"hour": 7, "minute": 6}
